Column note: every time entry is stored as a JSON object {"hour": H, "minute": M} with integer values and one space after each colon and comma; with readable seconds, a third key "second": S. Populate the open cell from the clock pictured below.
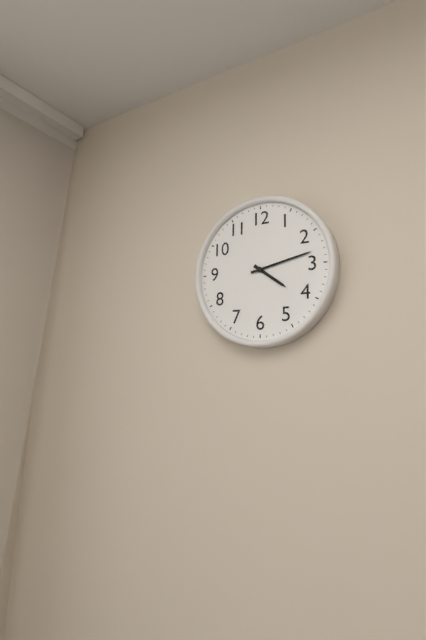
{"hour": 4, "minute": 13}
